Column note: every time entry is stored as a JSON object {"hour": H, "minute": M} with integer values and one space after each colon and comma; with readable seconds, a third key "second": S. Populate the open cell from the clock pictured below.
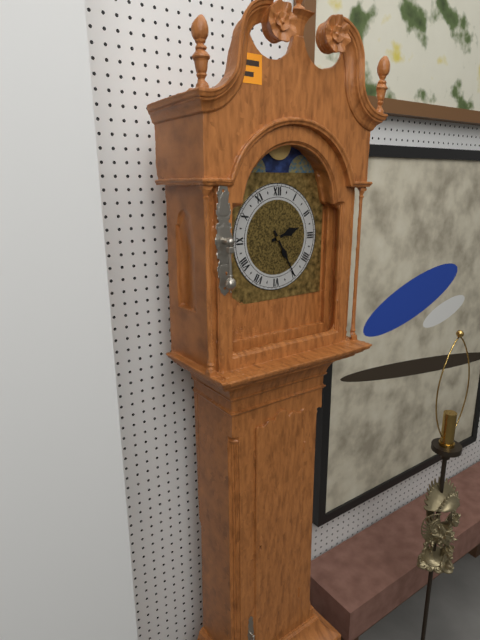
{"hour": 2, "minute": 25}
